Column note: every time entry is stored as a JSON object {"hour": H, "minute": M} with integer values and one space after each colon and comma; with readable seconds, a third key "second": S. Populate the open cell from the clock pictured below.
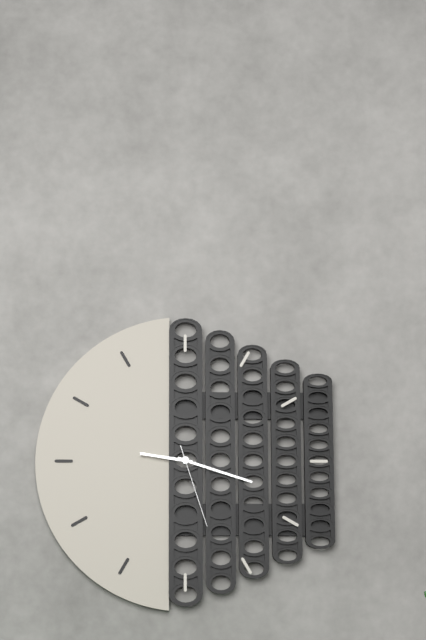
{"hour": 9, "minute": 18, "second": 27}
